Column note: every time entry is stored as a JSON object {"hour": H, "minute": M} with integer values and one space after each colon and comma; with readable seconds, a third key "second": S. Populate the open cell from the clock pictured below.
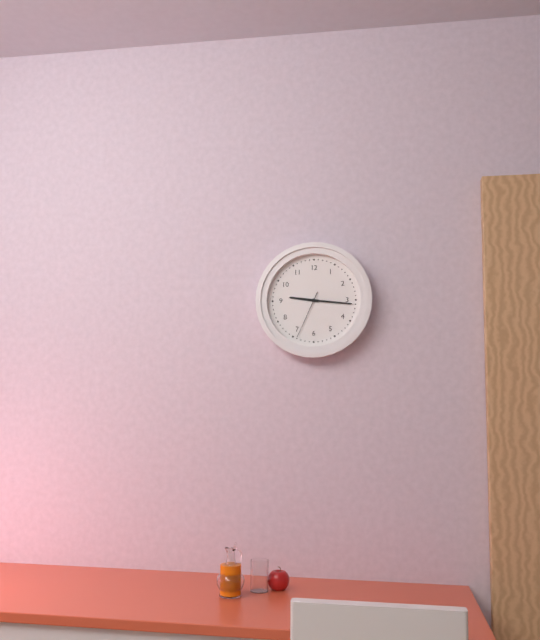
{"hour": 9, "minute": 16, "second": 34}
